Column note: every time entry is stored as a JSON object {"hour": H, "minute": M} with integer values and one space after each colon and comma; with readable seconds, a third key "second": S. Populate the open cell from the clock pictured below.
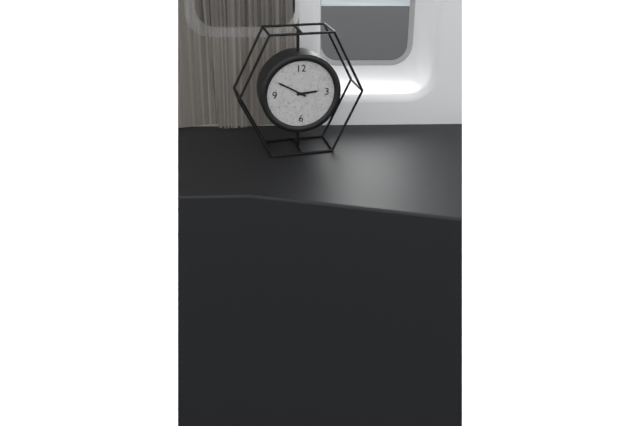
{"hour": 2, "minute": 50}
